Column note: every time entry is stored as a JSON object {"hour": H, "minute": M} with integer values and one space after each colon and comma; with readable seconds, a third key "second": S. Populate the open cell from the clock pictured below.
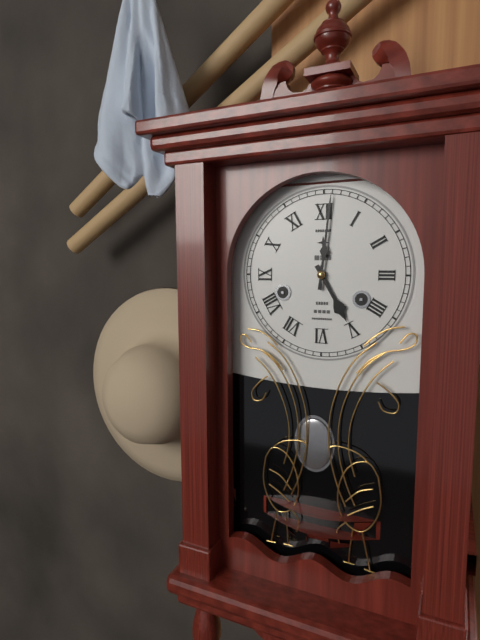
{"hour": 5, "minute": 1}
